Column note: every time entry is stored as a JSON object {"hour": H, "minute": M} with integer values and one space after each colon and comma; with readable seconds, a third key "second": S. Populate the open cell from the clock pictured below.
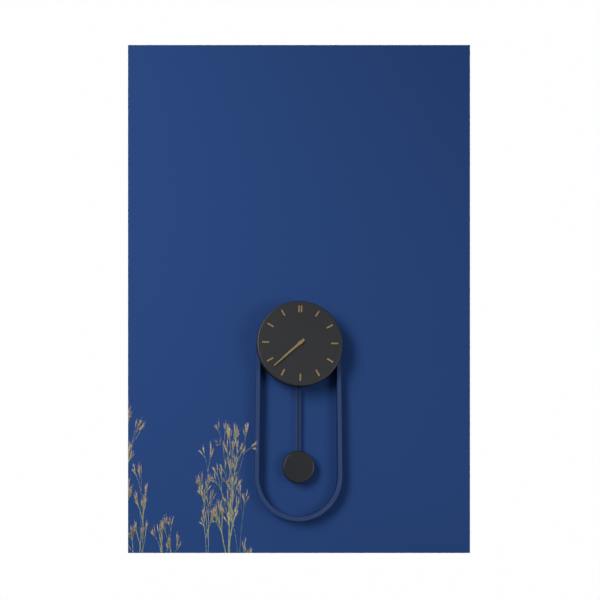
{"hour": 7, "minute": 38}
